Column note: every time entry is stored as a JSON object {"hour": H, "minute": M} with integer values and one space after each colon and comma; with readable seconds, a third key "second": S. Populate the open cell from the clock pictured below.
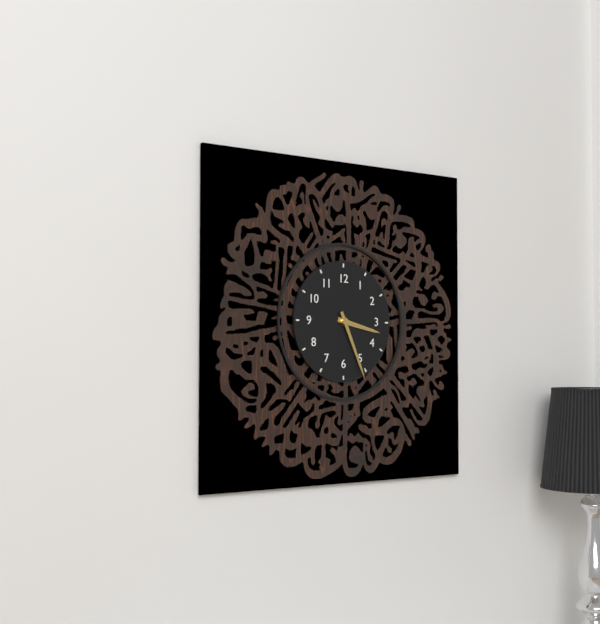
{"hour": 3, "minute": 26}
